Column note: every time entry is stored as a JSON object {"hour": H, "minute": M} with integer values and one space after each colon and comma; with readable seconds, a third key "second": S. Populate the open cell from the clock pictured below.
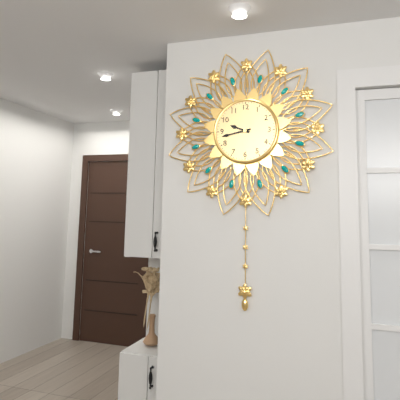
{"hour": 9, "minute": 43}
